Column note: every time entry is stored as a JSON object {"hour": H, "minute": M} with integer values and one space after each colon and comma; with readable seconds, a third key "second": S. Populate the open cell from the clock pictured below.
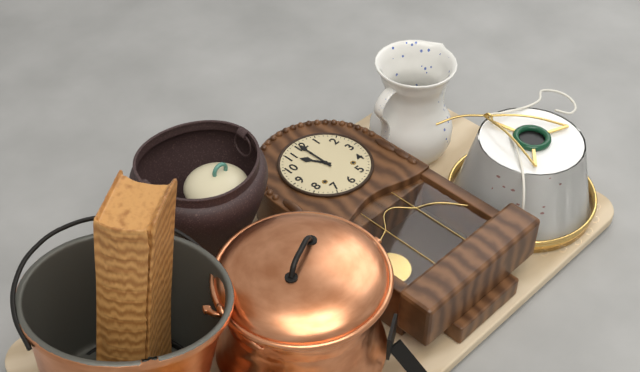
{"hour": 11, "minute": 0}
